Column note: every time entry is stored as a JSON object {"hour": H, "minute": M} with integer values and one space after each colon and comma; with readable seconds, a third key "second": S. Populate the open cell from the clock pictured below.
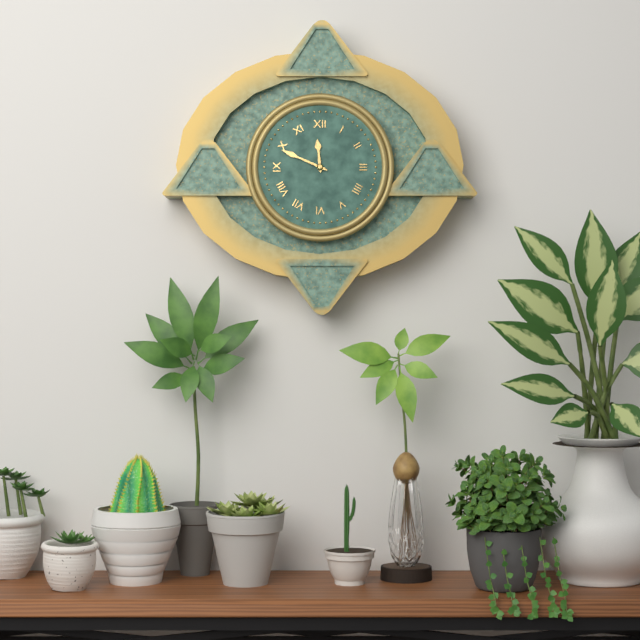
{"hour": 11, "minute": 49}
